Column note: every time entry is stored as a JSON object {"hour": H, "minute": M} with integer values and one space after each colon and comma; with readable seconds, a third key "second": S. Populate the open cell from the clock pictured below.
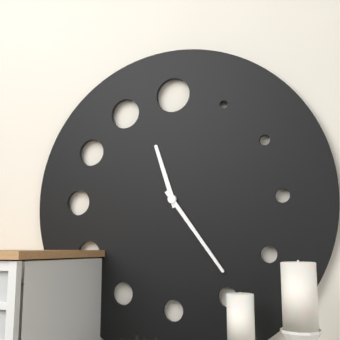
{"hour": 11, "minute": 24}
